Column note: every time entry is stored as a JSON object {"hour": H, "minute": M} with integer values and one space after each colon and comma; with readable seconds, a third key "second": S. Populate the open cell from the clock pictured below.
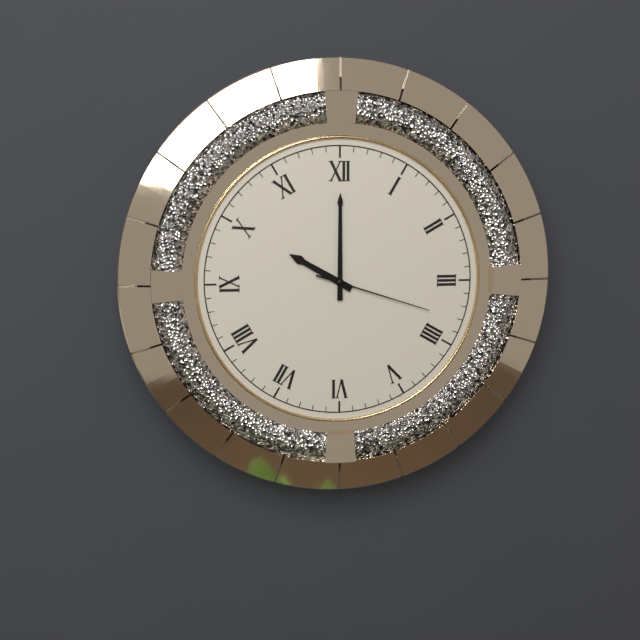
{"hour": 10, "minute": 0, "second": 18}
